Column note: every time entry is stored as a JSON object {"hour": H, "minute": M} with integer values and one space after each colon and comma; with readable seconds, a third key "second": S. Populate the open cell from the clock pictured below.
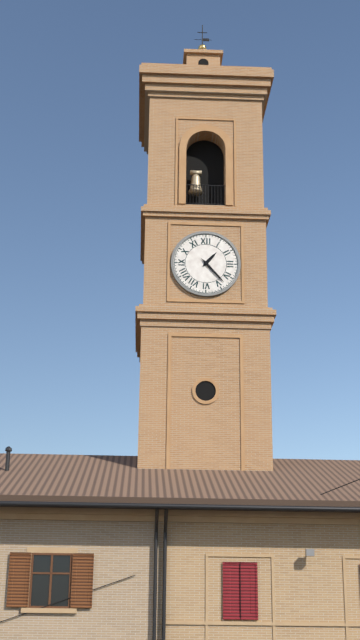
{"hour": 1, "minute": 23}
